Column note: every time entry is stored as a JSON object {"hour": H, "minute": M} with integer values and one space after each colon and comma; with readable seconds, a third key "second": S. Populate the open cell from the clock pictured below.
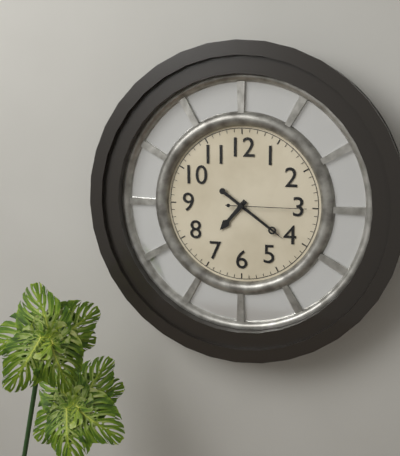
{"hour": 7, "minute": 21, "second": 15}
